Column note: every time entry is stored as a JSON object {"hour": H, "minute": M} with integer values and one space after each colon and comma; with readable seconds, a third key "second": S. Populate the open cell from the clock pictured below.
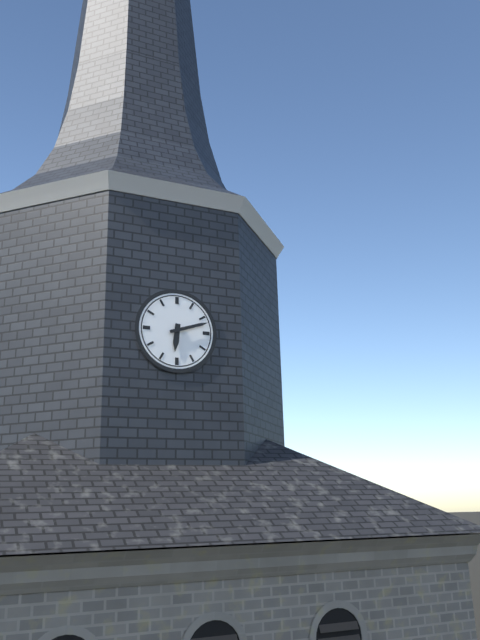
{"hour": 6, "minute": 12}
